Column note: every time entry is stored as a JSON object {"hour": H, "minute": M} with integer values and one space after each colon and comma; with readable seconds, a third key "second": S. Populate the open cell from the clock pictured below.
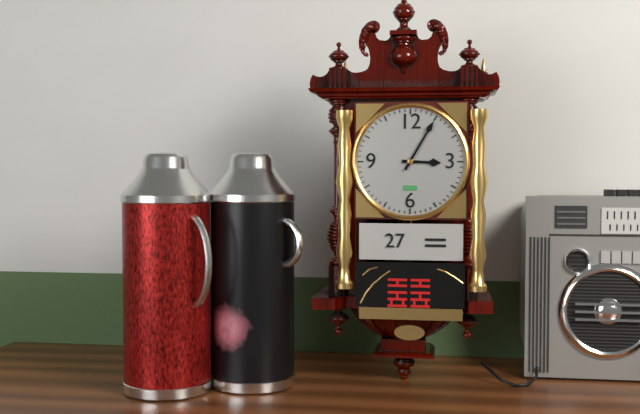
{"hour": 3, "minute": 5}
